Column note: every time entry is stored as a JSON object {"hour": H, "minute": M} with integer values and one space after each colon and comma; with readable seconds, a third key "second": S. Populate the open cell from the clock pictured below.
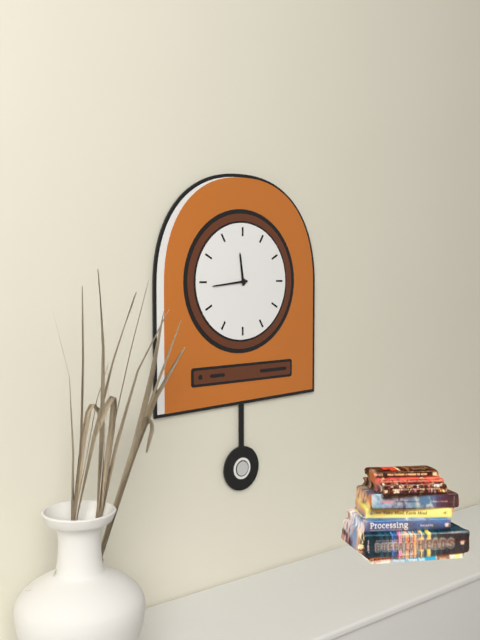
{"hour": 11, "minute": 44}
